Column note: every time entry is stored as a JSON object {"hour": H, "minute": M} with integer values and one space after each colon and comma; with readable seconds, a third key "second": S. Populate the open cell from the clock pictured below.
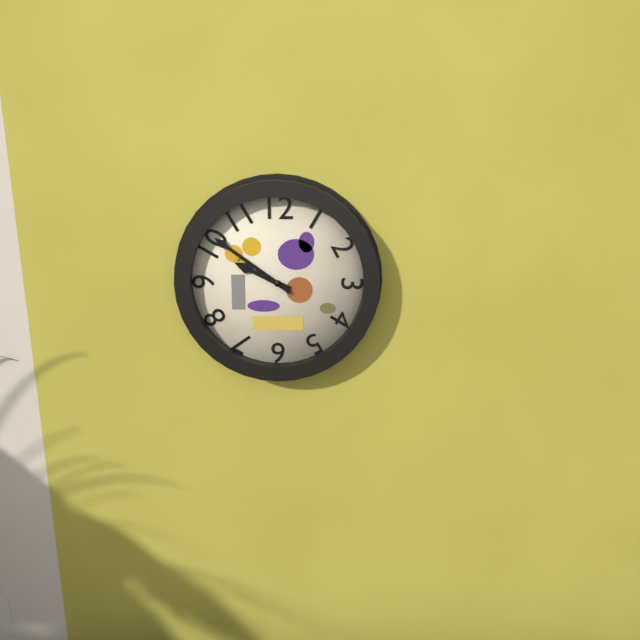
{"hour": 9, "minute": 51}
